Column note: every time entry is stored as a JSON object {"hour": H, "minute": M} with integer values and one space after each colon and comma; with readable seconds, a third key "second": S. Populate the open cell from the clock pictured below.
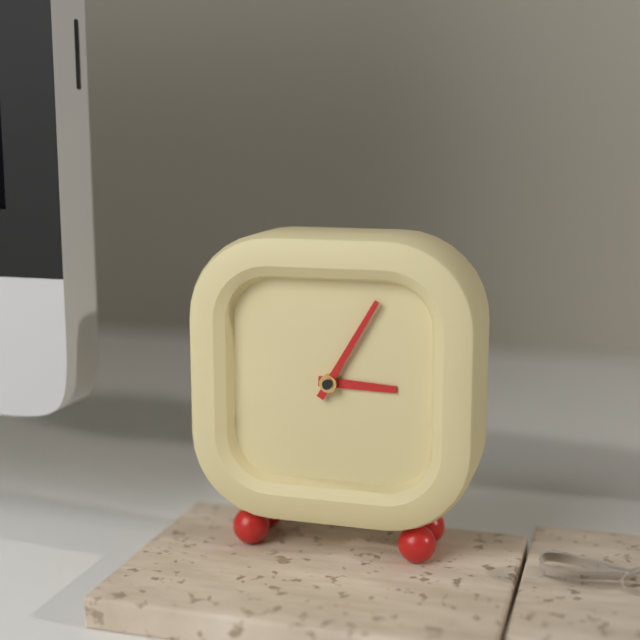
{"hour": 3, "minute": 5}
